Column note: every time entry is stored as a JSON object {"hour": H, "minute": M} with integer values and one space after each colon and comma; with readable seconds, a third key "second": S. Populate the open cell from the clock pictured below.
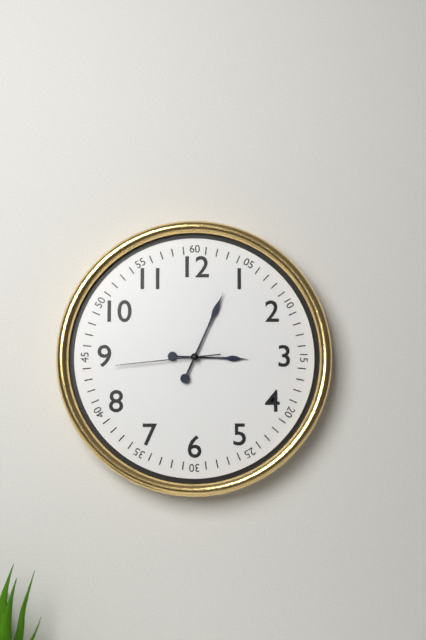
{"hour": 3, "minute": 4, "second": 44}
